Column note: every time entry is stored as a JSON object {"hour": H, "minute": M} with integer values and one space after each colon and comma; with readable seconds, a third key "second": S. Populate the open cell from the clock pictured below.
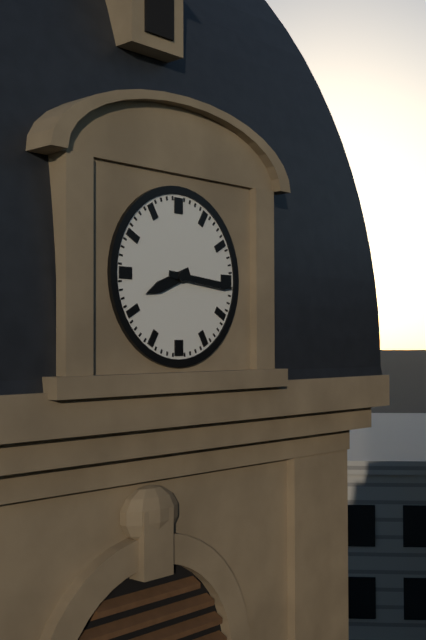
{"hour": 8, "minute": 16}
